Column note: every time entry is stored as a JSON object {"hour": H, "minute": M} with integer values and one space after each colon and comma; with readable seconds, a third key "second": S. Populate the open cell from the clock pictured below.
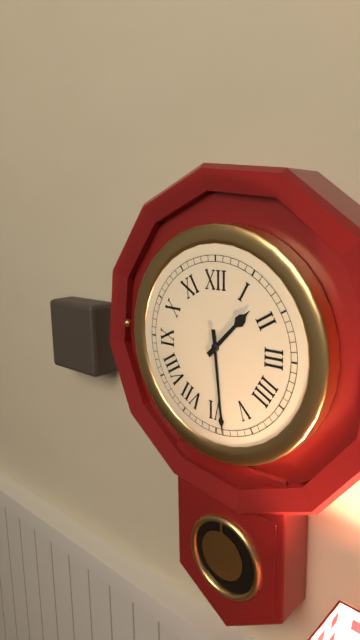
{"hour": 1, "minute": 29}
